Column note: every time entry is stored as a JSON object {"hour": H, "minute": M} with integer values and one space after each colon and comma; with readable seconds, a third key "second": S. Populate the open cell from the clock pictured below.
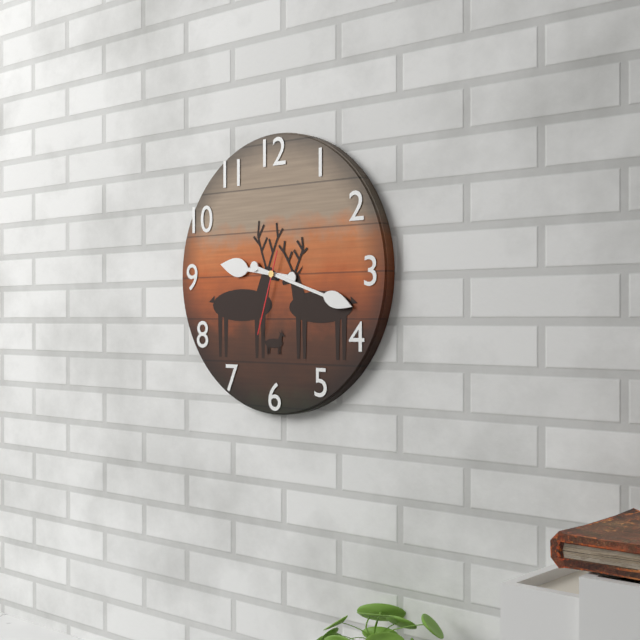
{"hour": 9, "minute": 18, "second": 33}
